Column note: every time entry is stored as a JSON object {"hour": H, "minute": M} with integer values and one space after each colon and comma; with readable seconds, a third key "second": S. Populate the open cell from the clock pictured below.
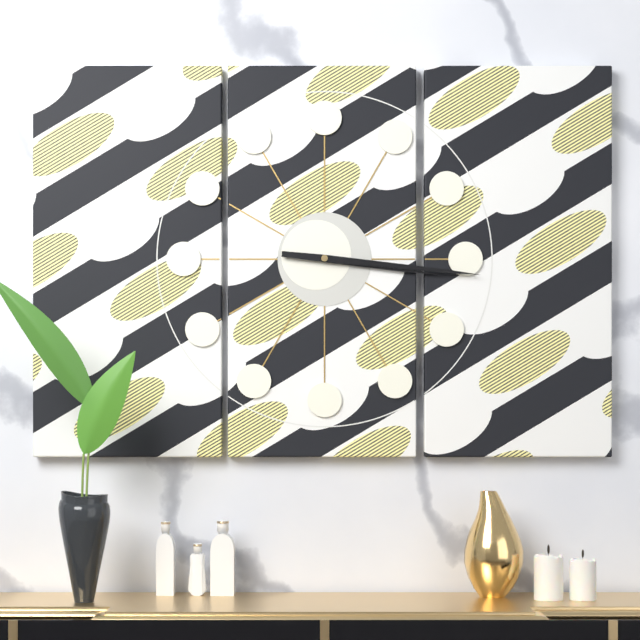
{"hour": 3, "minute": 16}
